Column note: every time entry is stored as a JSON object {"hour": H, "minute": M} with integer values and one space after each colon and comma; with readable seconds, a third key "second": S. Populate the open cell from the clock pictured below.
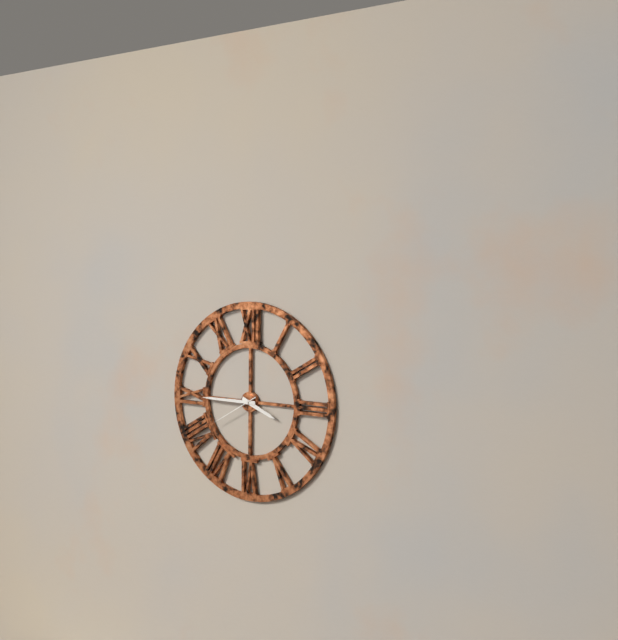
{"hour": 3, "minute": 45, "second": 40}
